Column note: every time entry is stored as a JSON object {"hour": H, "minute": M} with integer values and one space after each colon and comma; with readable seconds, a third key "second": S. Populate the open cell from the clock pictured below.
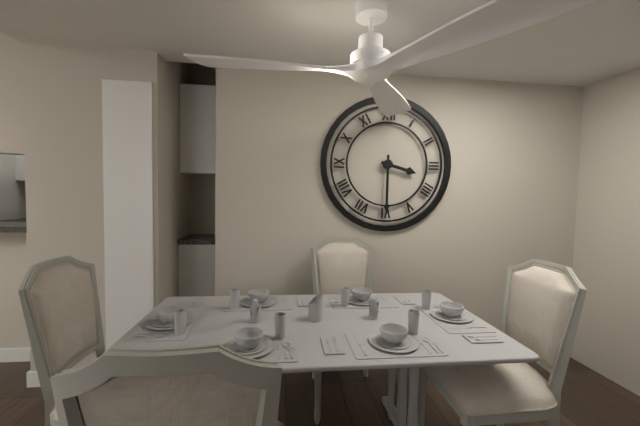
{"hour": 3, "minute": 30}
